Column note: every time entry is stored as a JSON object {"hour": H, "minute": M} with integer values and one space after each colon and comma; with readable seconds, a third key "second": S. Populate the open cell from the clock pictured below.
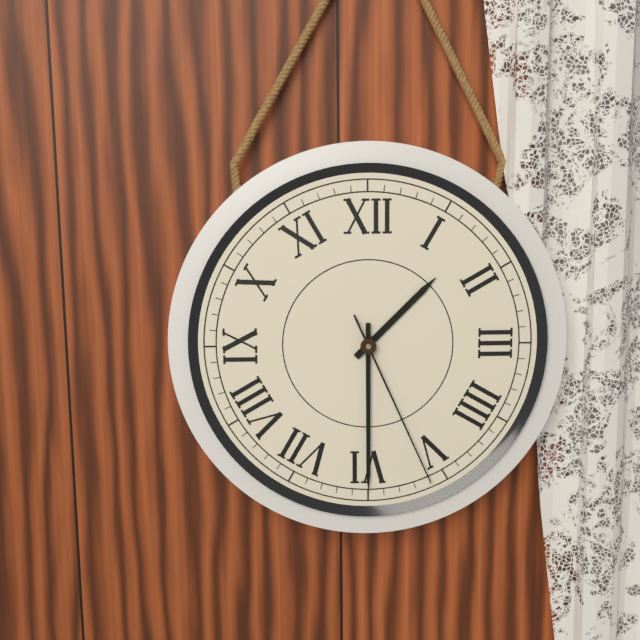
{"hour": 1, "minute": 30, "second": 26}
